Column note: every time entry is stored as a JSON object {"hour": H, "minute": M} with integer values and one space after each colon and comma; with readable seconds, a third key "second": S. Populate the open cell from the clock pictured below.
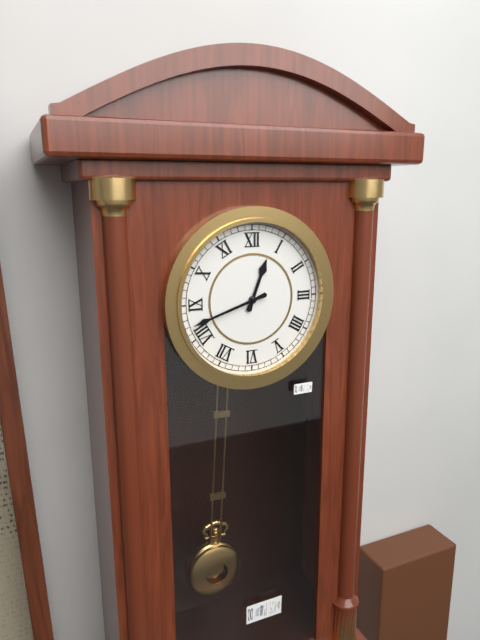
{"hour": 12, "minute": 42}
